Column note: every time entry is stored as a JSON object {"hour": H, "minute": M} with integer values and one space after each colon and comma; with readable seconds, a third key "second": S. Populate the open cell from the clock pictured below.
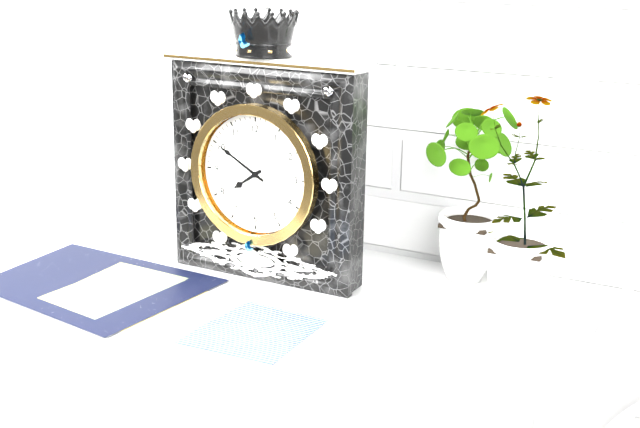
{"hour": 7, "minute": 50}
